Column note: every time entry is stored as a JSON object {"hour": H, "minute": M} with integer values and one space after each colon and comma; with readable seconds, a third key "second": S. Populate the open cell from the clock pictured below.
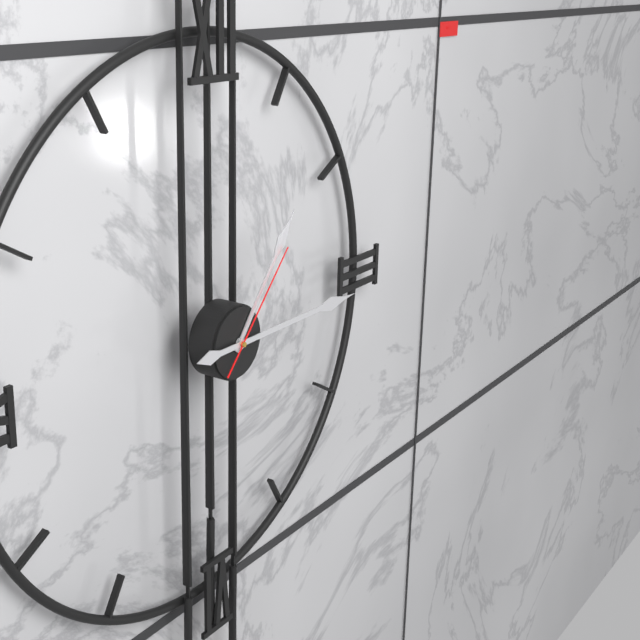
{"hour": 1, "minute": 15, "second": 7}
